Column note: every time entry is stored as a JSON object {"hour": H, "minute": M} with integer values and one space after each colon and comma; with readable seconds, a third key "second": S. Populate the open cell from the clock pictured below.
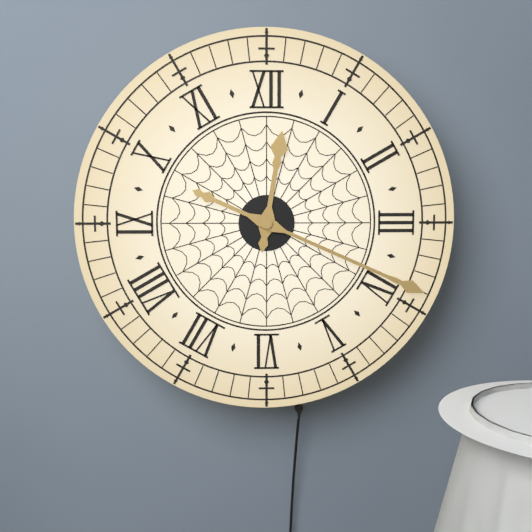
{"hour": 12, "minute": 19}
